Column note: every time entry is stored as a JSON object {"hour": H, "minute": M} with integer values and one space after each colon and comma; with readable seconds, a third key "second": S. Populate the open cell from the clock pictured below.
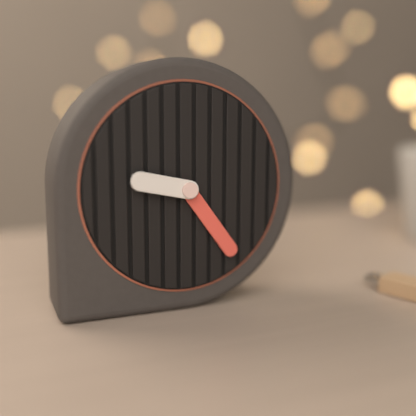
{"hour": 9, "minute": 24}
